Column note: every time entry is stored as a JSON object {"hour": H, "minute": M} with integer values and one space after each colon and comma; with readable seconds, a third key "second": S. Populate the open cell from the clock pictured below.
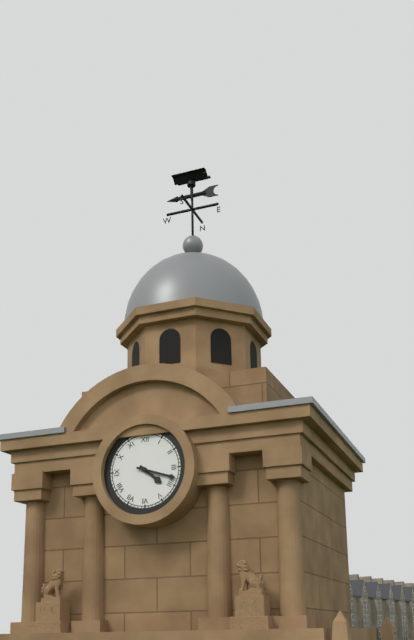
{"hour": 4, "minute": 18}
